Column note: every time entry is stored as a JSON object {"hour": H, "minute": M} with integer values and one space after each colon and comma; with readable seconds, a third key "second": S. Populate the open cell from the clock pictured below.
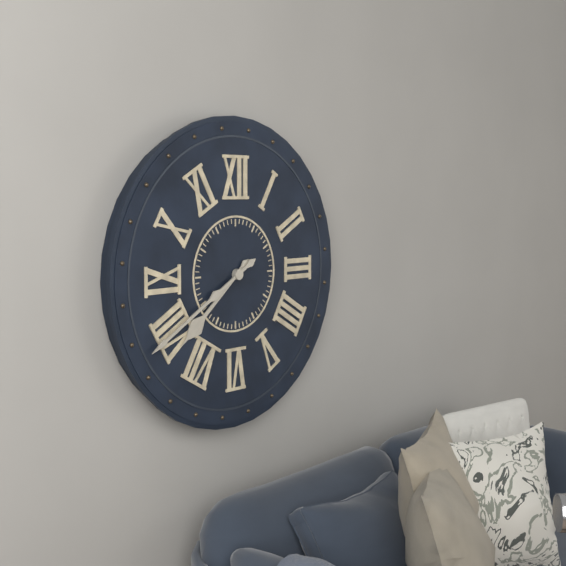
{"hour": 7, "minute": 40}
